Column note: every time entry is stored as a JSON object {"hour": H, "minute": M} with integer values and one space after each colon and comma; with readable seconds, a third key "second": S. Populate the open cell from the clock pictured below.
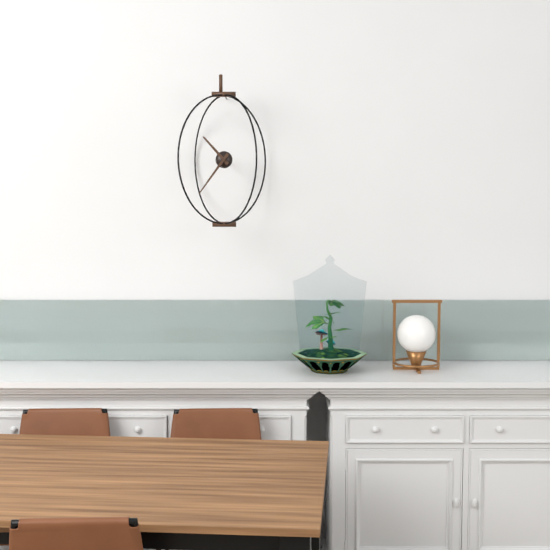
{"hour": 10, "minute": 36}
